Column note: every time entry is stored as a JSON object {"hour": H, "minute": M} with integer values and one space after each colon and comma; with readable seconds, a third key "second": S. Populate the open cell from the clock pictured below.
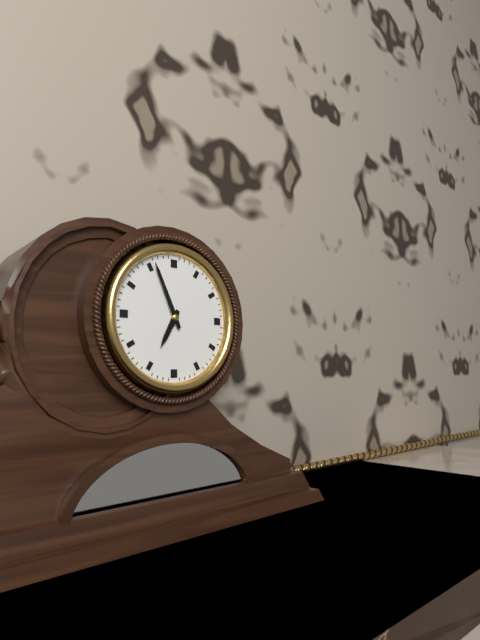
{"hour": 6, "minute": 56}
